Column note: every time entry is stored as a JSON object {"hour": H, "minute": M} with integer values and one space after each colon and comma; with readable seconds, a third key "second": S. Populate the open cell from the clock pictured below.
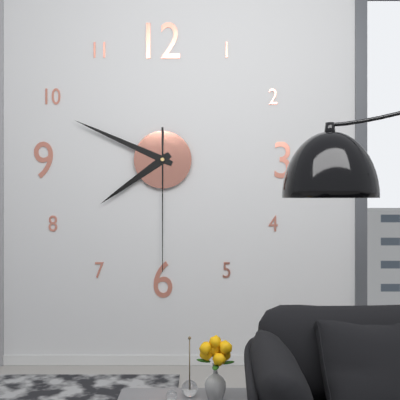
{"hour": 7, "minute": 49, "second": 30}
